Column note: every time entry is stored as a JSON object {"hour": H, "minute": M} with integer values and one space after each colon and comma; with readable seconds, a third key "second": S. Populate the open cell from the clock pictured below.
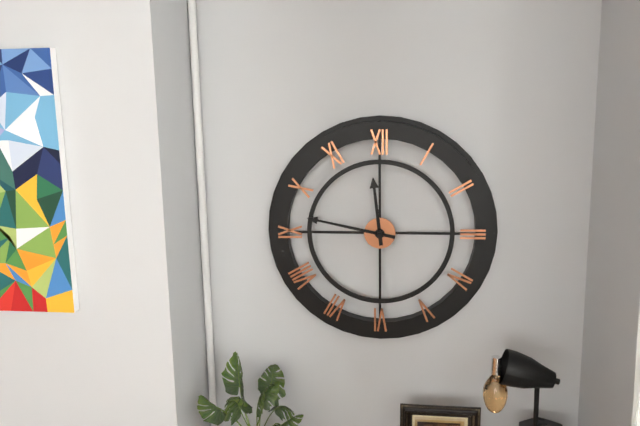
{"hour": 11, "minute": 47}
